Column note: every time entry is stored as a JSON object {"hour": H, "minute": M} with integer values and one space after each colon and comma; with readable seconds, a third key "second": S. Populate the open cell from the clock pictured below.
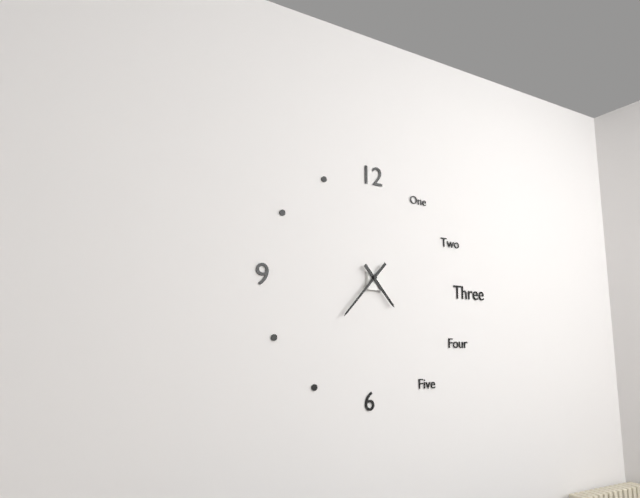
{"hour": 4, "minute": 37}
